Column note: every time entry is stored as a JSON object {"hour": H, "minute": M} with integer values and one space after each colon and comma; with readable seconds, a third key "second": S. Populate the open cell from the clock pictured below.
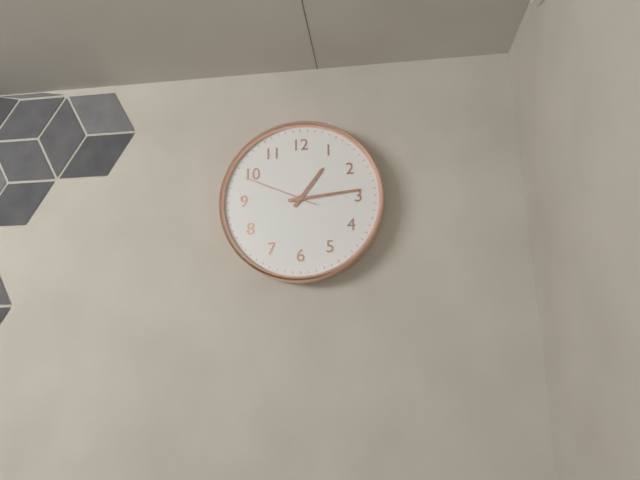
{"hour": 1, "minute": 14, "second": 49}
